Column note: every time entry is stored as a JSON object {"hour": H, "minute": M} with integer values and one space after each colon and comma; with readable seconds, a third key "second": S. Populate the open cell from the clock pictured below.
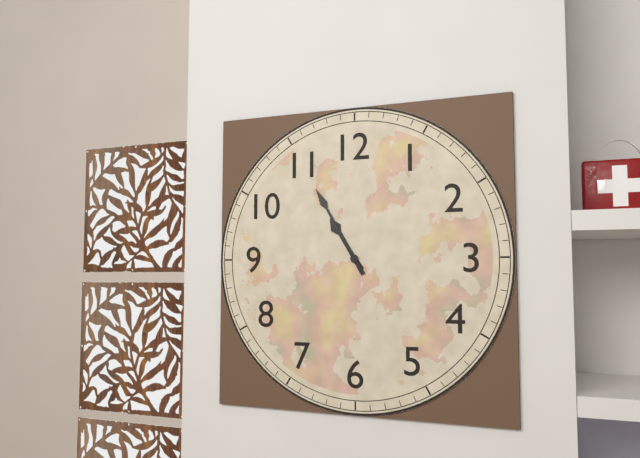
{"hour": 10, "minute": 55}
